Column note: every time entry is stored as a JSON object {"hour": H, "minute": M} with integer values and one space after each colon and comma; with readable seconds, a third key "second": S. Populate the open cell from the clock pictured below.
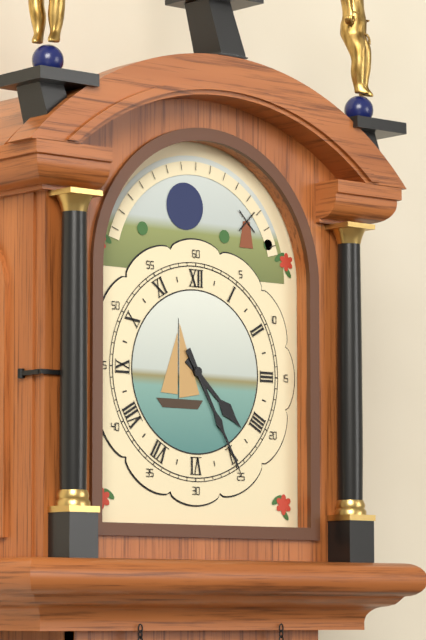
{"hour": 4, "minute": 25}
